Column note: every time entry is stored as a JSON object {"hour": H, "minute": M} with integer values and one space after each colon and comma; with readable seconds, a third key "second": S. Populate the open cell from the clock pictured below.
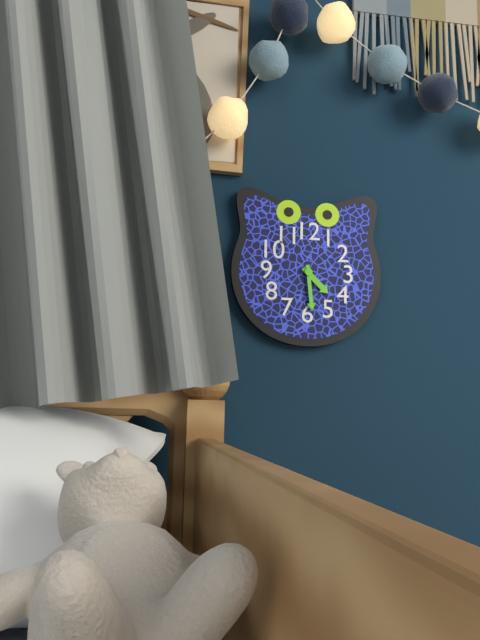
{"hour": 4, "minute": 29}
